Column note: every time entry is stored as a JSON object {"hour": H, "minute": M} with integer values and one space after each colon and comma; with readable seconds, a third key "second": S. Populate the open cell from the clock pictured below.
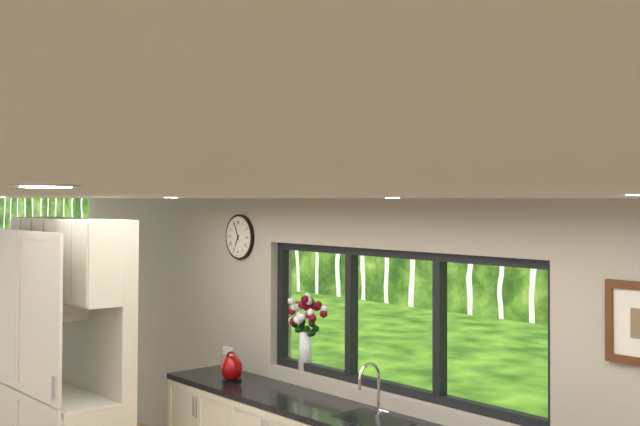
{"hour": 6, "minute": 56}
